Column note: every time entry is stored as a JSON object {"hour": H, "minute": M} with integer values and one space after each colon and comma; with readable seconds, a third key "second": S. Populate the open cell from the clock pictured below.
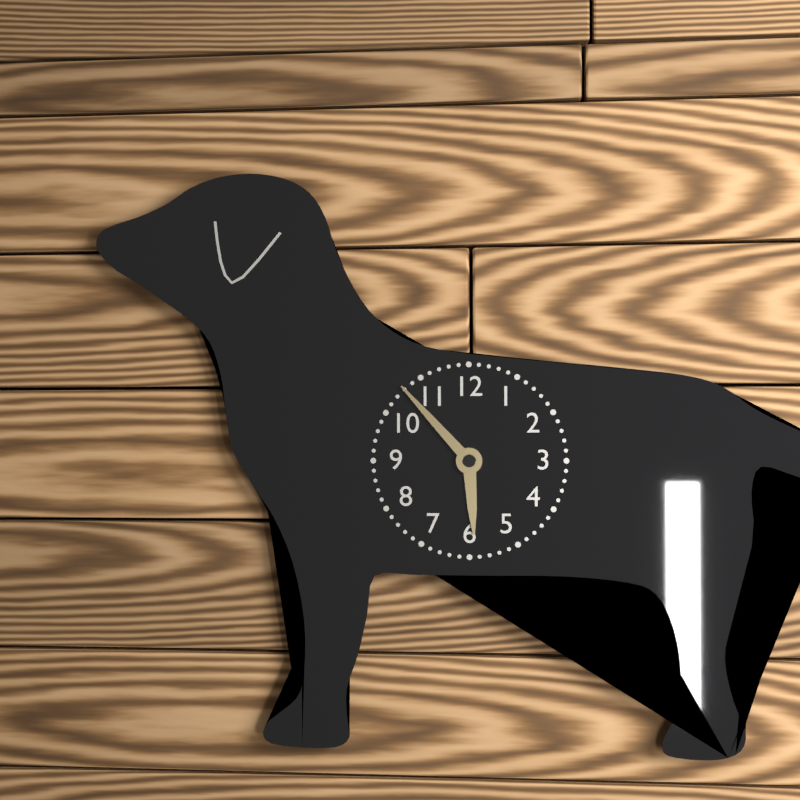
{"hour": 5, "minute": 53}
